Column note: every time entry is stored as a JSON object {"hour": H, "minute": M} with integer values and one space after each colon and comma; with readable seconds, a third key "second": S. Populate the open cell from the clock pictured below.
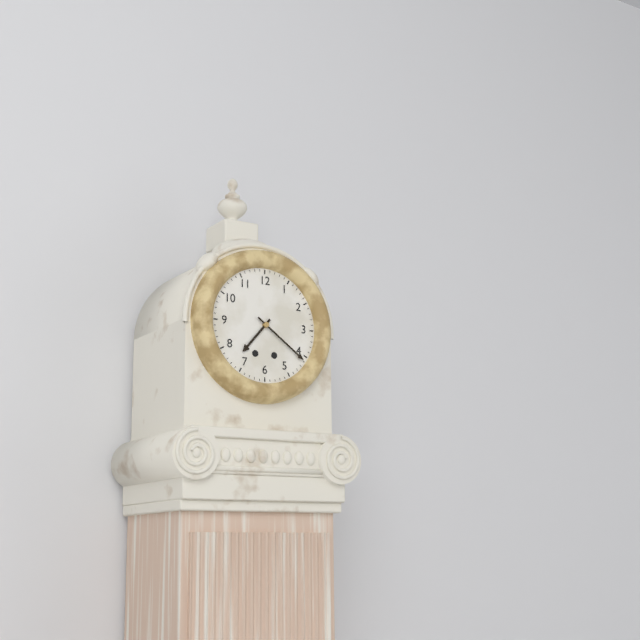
{"hour": 7, "minute": 21}
